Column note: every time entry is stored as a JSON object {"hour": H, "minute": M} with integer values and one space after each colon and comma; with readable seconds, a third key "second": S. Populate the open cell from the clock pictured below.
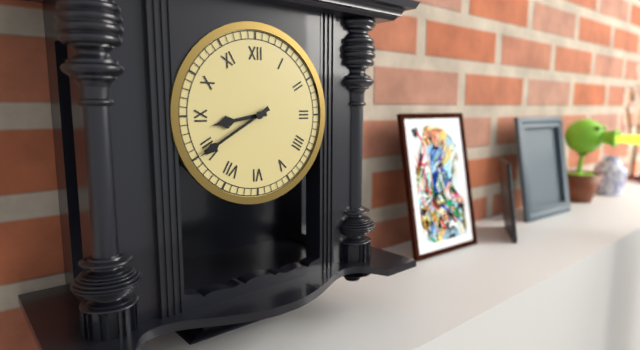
{"hour": 8, "minute": 40}
